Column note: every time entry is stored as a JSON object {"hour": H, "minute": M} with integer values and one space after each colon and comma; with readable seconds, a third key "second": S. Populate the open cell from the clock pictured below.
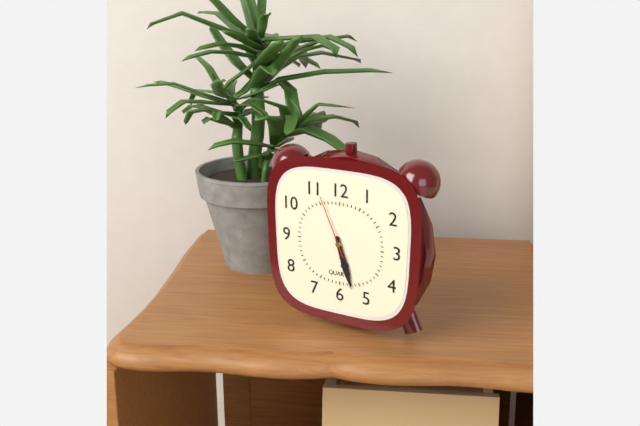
{"hour": 5, "minute": 27, "second": 56}
